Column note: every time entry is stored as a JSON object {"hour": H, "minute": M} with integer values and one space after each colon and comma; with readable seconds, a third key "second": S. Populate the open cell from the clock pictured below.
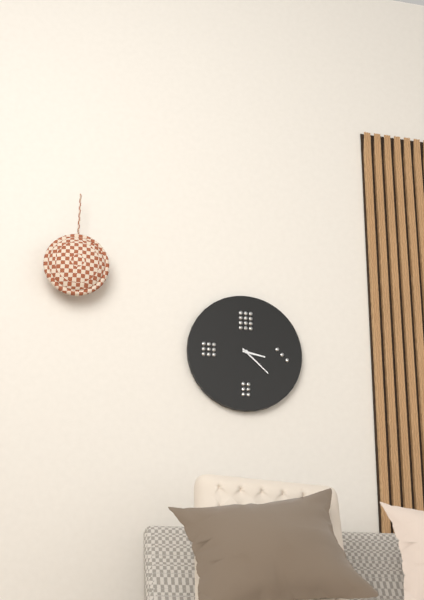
{"hour": 3, "minute": 22}
